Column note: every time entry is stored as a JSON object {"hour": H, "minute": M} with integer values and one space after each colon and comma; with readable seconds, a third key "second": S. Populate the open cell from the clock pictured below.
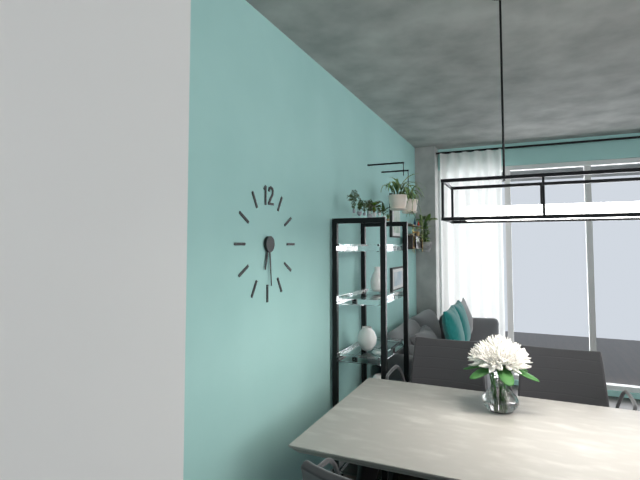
{"hour": 6, "minute": 29}
